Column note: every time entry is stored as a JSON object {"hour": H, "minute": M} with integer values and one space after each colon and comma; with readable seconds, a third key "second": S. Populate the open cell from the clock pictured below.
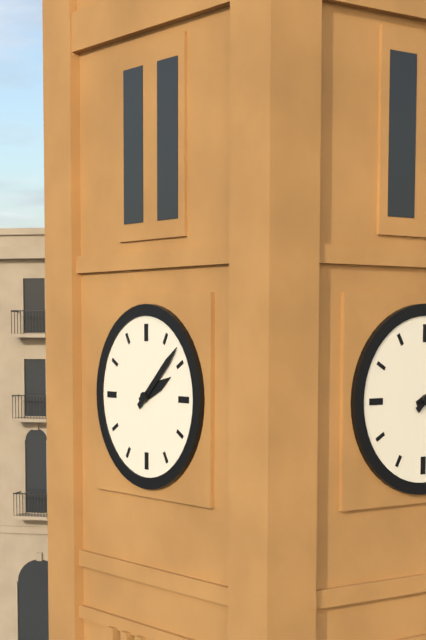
{"hour": 2, "minute": 8}
